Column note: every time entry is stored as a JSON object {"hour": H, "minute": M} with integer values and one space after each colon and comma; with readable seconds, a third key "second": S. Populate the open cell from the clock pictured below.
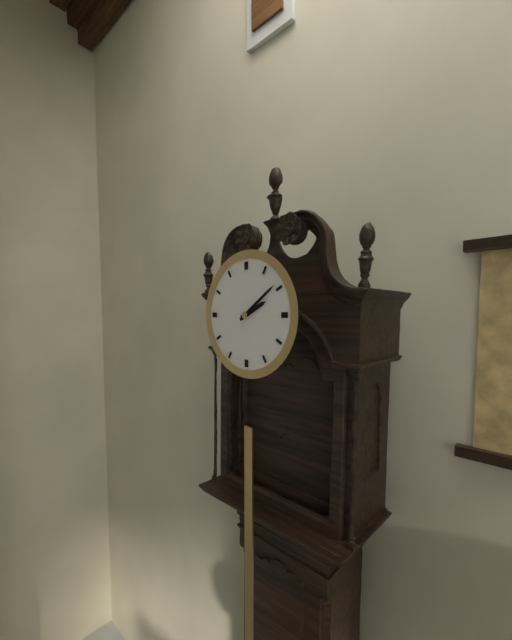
{"hour": 2, "minute": 9}
